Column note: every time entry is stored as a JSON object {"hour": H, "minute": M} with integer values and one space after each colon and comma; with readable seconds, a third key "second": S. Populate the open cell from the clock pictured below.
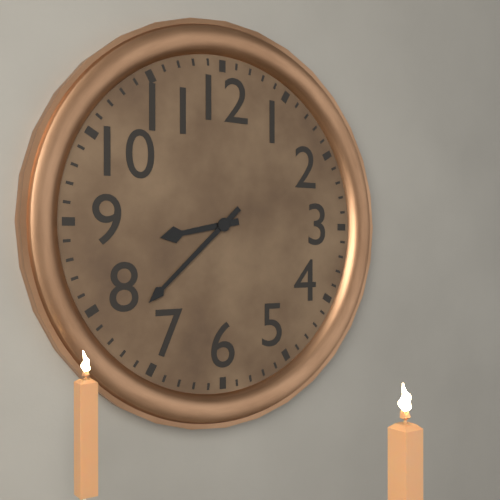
{"hour": 8, "minute": 38}
